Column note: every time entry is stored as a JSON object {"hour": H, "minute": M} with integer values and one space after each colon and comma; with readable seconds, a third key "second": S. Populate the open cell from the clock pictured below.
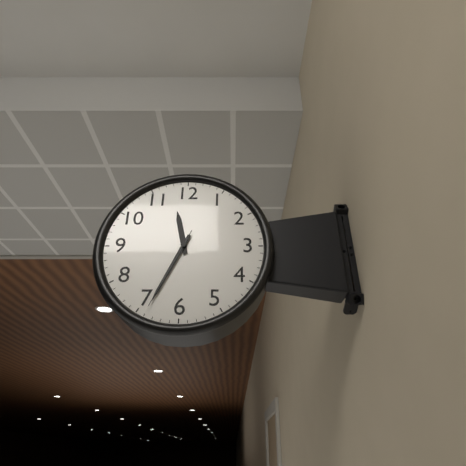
{"hour": 11, "minute": 34, "second": 34}
